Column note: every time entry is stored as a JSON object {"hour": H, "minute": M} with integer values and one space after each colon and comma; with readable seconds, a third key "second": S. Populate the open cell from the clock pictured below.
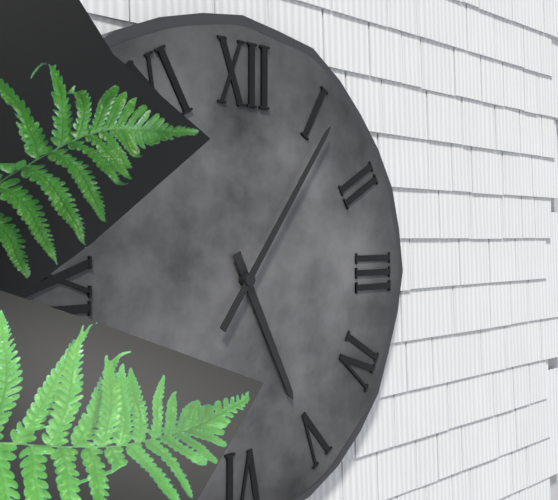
{"hour": 5, "minute": 6}
